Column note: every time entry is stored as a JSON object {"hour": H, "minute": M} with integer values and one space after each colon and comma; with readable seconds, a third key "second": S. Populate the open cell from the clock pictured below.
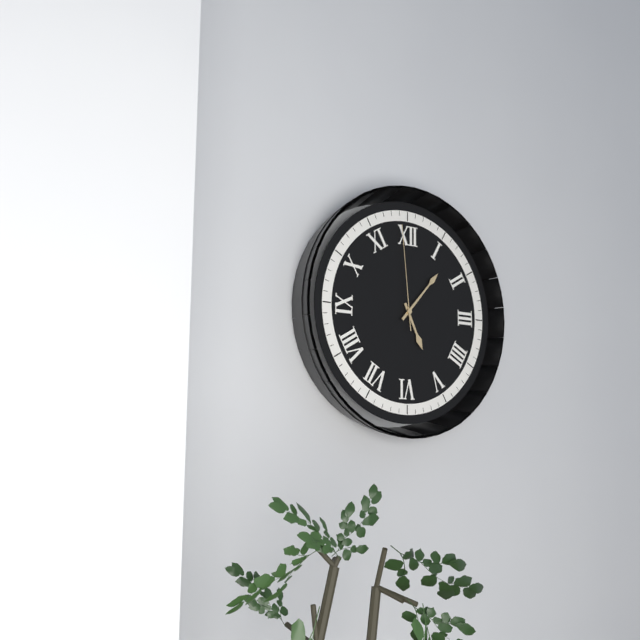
{"hour": 5, "minute": 7, "second": 59}
